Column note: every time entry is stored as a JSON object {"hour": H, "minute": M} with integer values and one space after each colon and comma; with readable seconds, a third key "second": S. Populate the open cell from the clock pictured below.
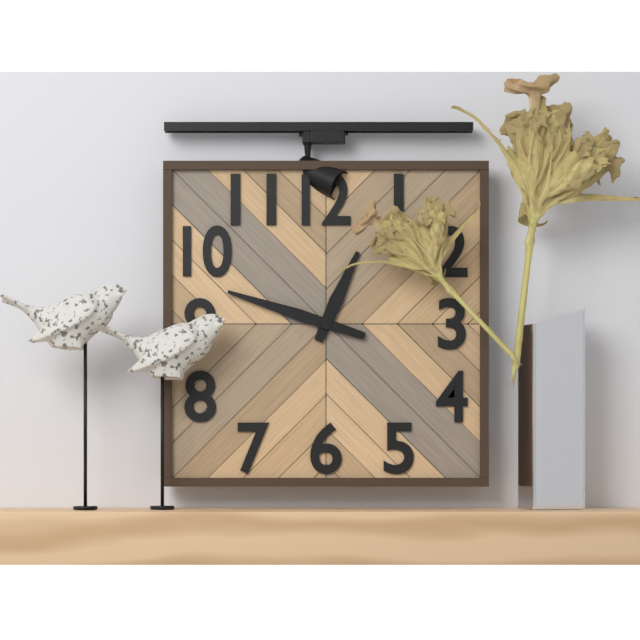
{"hour": 12, "minute": 48}
